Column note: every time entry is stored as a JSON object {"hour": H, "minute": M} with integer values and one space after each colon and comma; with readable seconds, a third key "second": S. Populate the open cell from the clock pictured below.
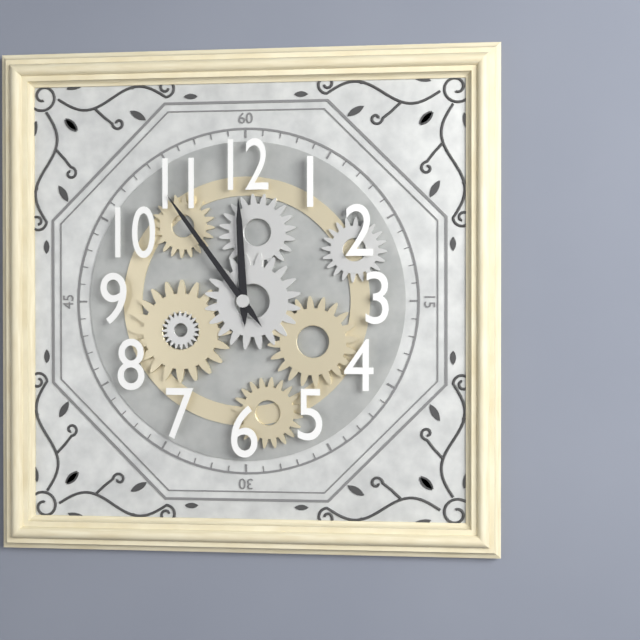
{"hour": 11, "minute": 54}
